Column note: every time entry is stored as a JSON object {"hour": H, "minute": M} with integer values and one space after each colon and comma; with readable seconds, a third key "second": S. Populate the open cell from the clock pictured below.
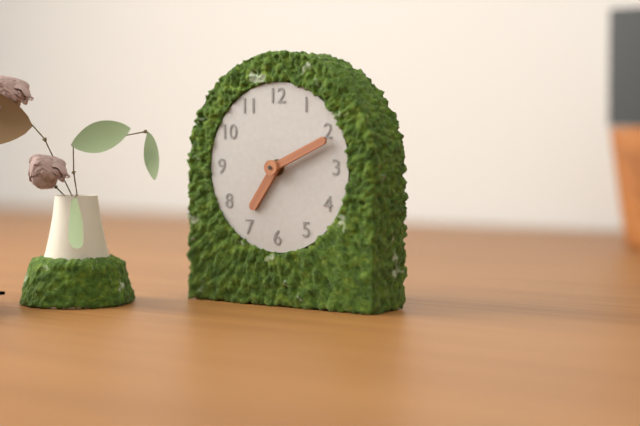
{"hour": 7, "minute": 11}
